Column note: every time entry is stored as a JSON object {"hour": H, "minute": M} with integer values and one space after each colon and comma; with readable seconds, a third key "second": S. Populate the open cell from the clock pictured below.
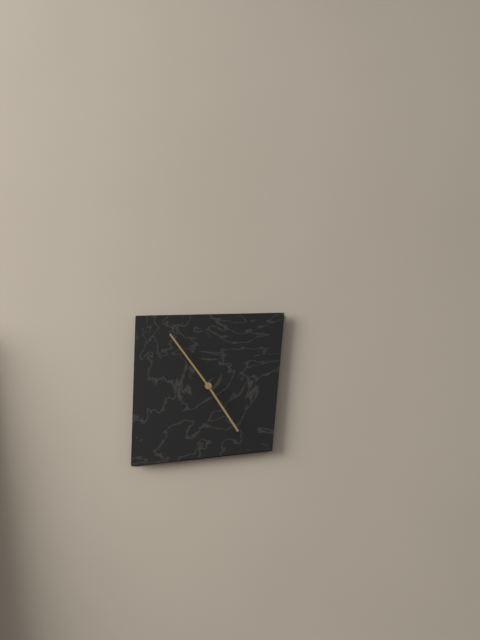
{"hour": 4, "minute": 54}
